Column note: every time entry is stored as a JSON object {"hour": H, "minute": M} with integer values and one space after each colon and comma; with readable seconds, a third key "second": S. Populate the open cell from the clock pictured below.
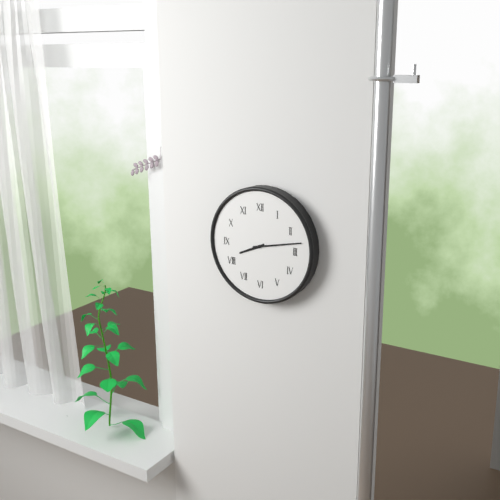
{"hour": 8, "minute": 13}
